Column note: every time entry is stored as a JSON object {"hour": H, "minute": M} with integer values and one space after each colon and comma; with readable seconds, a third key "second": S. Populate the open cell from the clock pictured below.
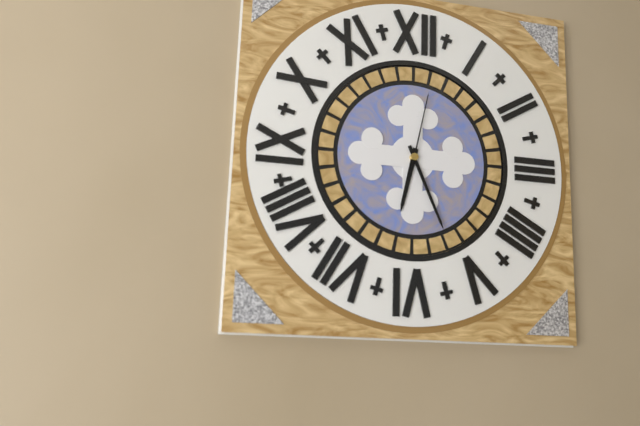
{"hour": 6, "minute": 26, "second": 2}
